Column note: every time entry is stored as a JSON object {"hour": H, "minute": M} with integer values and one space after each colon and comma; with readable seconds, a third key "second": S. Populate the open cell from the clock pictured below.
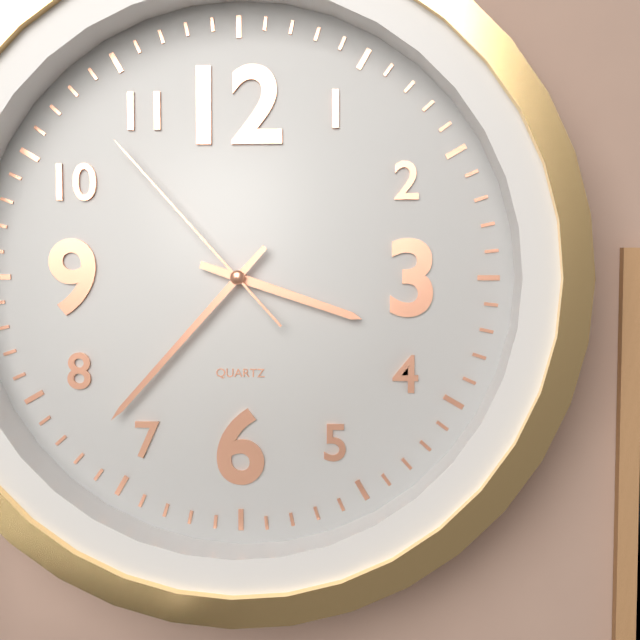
{"hour": 3, "minute": 37, "second": 53}
